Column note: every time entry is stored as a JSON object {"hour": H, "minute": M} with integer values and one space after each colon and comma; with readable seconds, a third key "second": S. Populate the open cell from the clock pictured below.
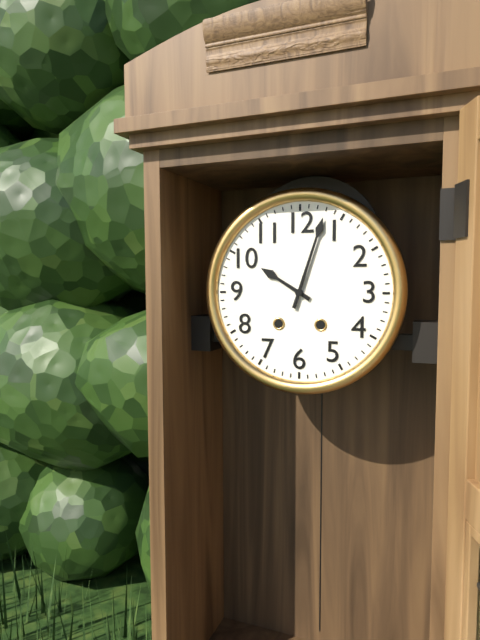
{"hour": 10, "minute": 3}
